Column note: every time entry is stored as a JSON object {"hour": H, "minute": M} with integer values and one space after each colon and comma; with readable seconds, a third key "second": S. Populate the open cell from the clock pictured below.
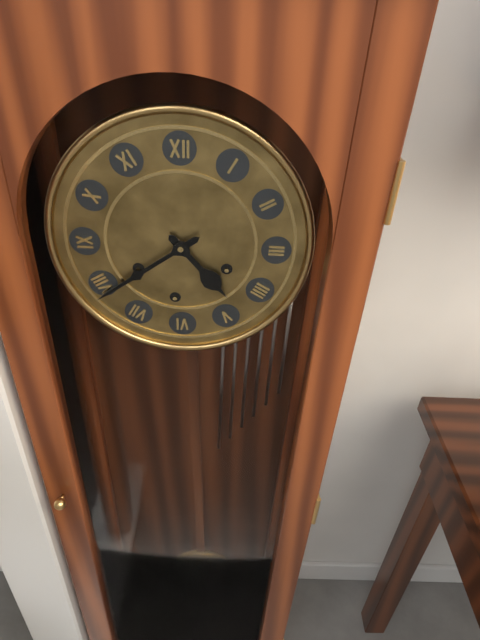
{"hour": 4, "minute": 39}
